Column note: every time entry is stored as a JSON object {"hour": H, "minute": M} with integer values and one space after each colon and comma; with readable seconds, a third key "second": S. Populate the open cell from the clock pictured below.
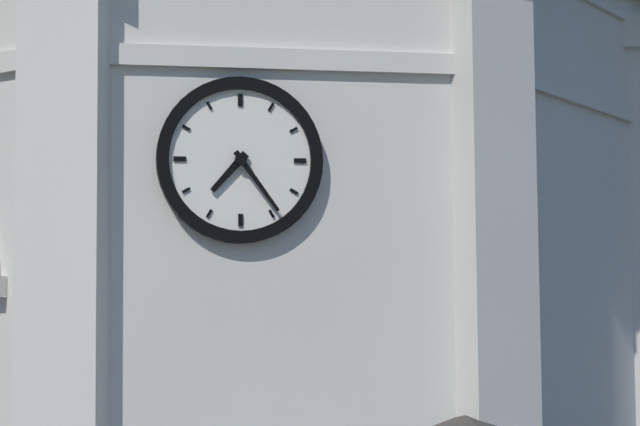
{"hour": 7, "minute": 24}
